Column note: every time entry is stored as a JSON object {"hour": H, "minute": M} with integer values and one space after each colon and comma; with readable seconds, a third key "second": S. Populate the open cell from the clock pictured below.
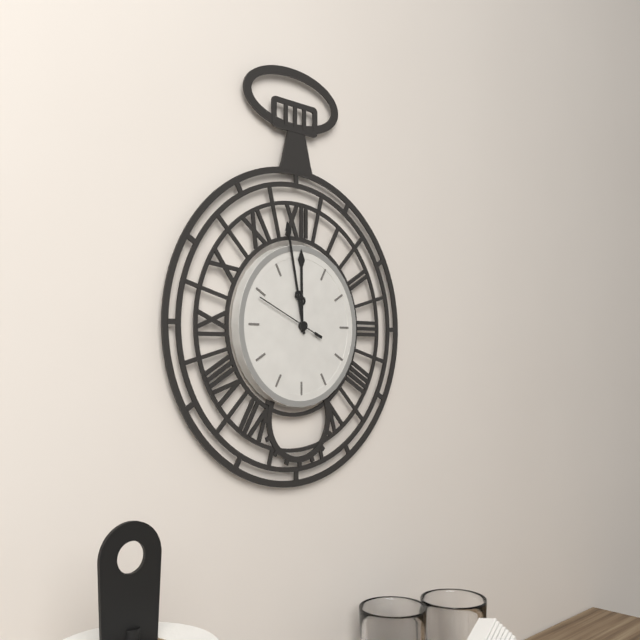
{"hour": 11, "minute": 58, "second": 49}
